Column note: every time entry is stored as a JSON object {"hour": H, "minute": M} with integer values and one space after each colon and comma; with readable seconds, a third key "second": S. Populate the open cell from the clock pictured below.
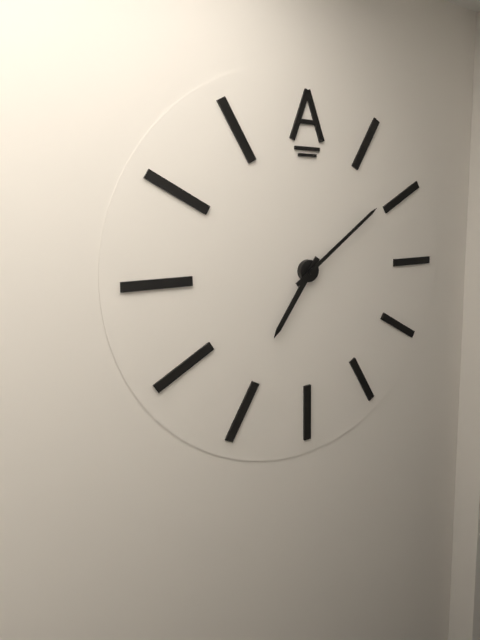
{"hour": 7, "minute": 9}
